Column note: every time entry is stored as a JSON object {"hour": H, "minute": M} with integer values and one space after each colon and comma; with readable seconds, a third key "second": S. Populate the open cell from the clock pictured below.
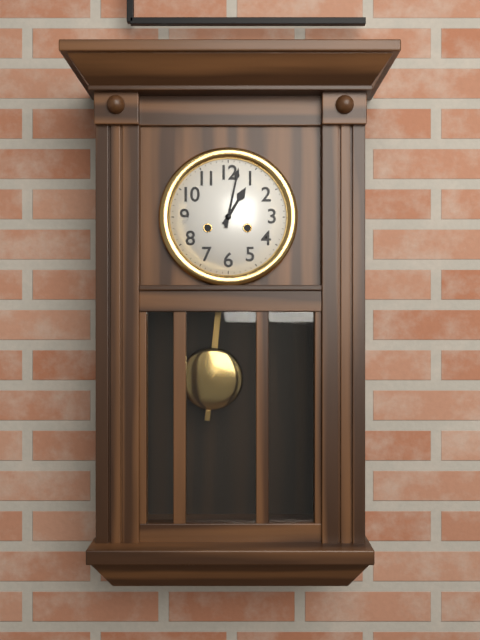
{"hour": 1, "minute": 2}
